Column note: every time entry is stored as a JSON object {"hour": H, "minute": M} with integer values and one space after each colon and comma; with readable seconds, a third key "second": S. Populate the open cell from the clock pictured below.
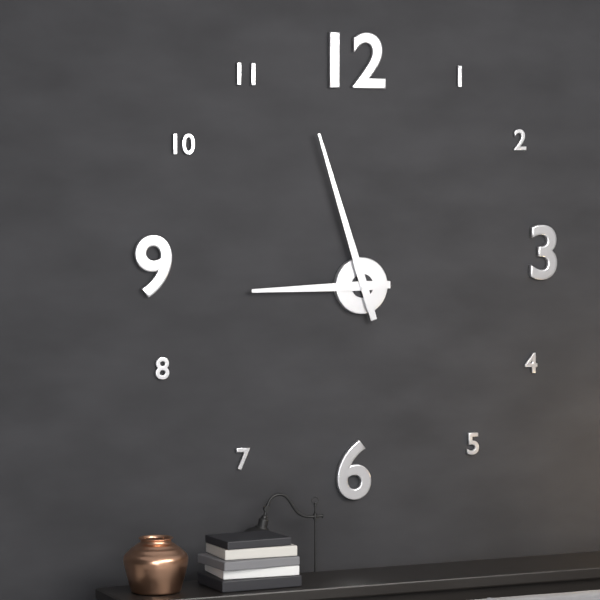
{"hour": 8, "minute": 57}
